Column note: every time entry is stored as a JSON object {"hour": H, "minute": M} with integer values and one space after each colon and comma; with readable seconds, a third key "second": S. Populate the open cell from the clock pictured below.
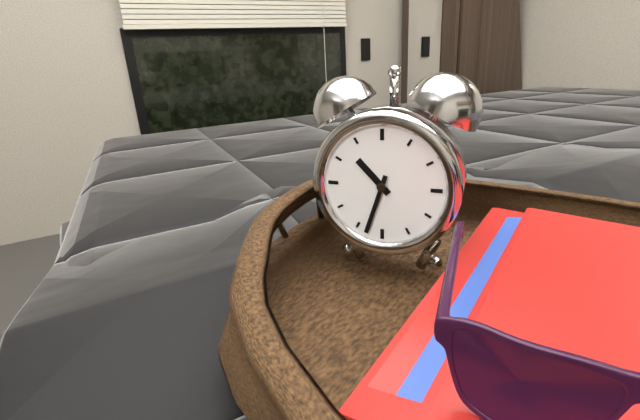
{"hour": 10, "minute": 33}
